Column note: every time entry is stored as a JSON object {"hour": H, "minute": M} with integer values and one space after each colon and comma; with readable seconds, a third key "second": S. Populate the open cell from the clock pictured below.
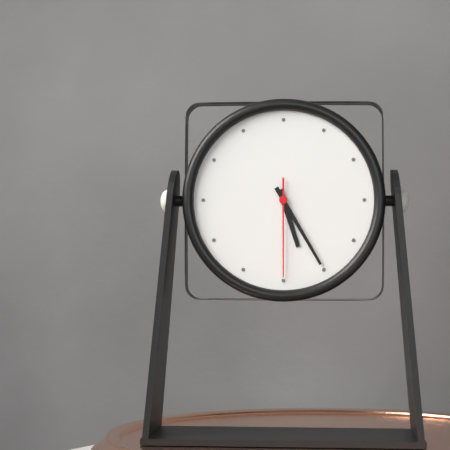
{"hour": 5, "minute": 25, "second": 30}
